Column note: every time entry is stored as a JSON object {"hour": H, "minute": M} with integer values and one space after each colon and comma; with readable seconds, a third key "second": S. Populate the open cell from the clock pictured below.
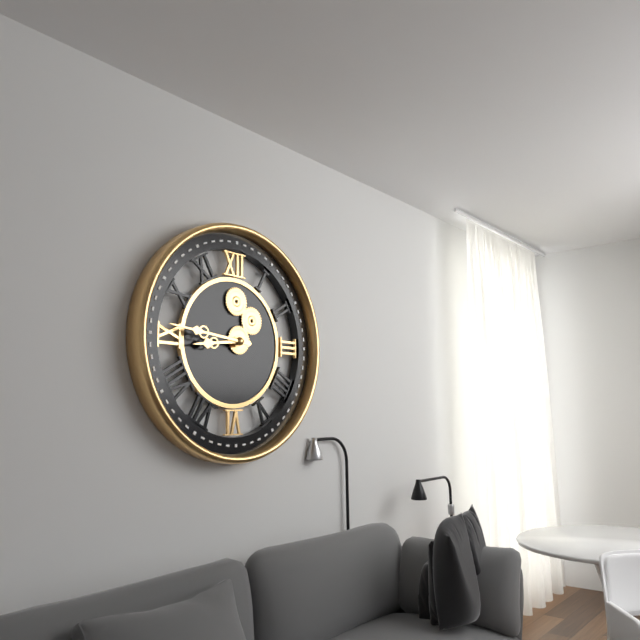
{"hour": 8, "minute": 46}
